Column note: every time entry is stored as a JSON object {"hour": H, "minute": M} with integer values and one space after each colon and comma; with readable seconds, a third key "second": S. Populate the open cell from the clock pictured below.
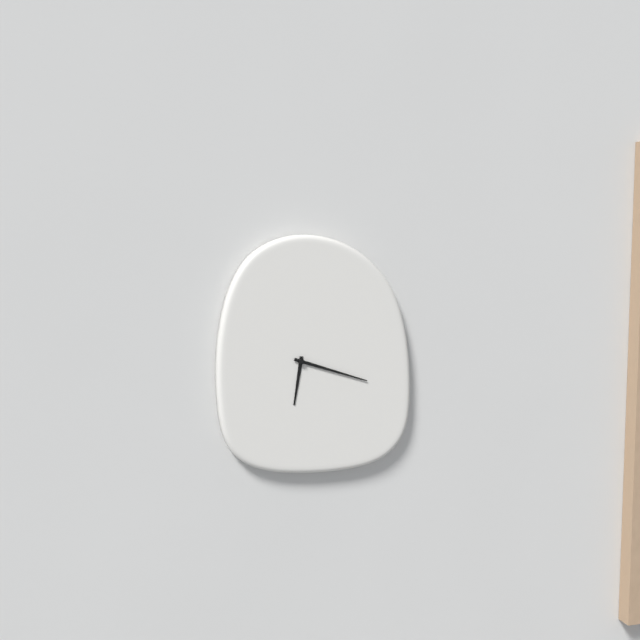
{"hour": 6, "minute": 18}
